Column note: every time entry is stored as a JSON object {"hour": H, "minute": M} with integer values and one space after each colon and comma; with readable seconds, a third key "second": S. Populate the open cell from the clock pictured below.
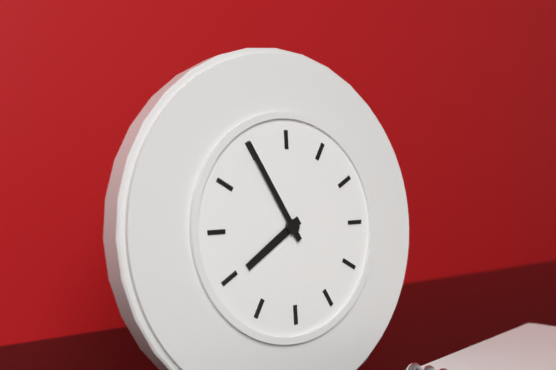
{"hour": 7, "minute": 55}
